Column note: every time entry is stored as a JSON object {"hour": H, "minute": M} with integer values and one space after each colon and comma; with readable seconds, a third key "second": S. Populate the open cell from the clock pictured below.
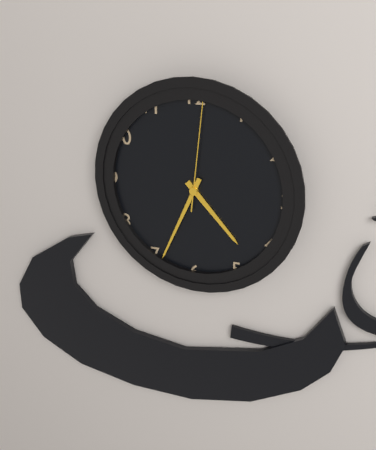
{"hour": 4, "minute": 34, "second": 1}
